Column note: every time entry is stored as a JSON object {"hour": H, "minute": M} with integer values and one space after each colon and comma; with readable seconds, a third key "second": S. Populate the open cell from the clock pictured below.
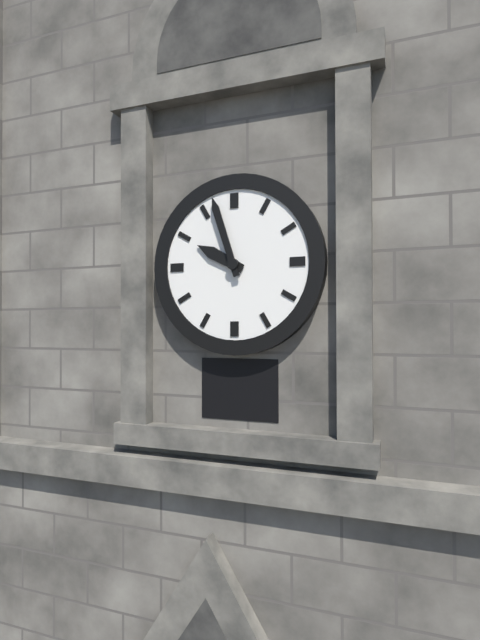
{"hour": 9, "minute": 57}
